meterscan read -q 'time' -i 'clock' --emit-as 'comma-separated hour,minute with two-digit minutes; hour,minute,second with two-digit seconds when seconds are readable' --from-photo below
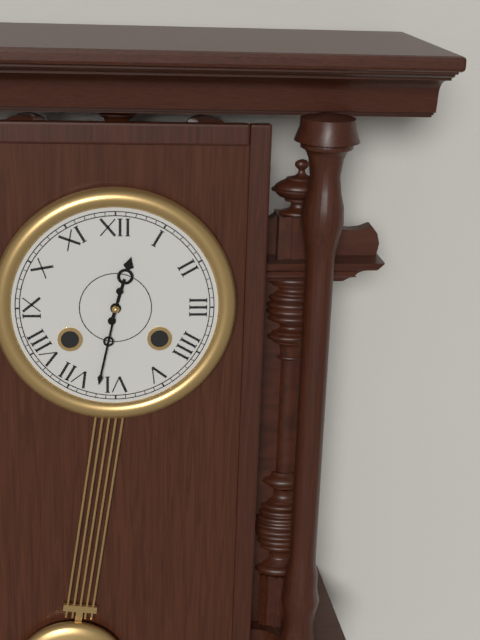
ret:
12,32
